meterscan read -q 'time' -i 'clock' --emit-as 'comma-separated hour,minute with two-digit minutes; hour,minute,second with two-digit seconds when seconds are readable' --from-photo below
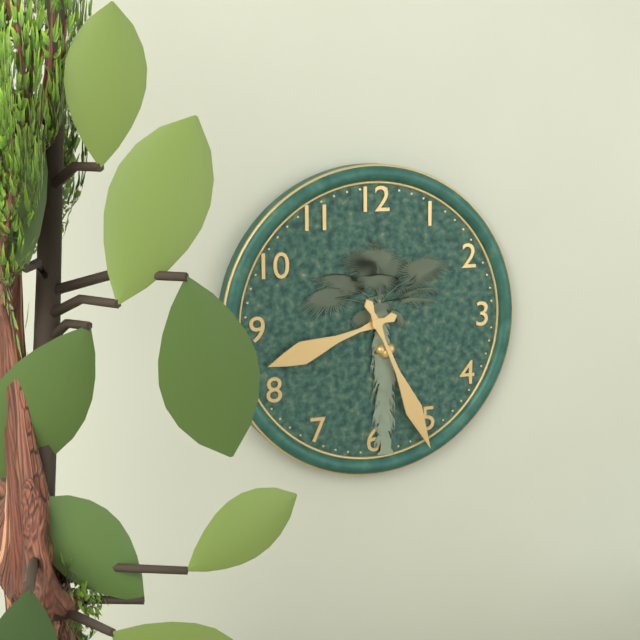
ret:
8,26
